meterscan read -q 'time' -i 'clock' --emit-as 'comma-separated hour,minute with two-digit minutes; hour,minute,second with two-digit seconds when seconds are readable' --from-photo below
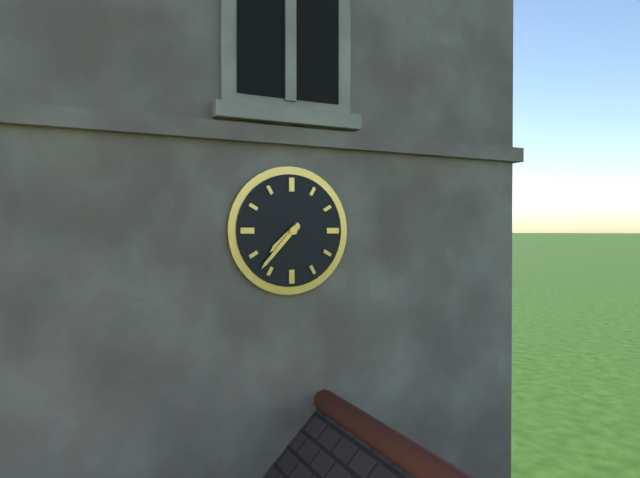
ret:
7,37
